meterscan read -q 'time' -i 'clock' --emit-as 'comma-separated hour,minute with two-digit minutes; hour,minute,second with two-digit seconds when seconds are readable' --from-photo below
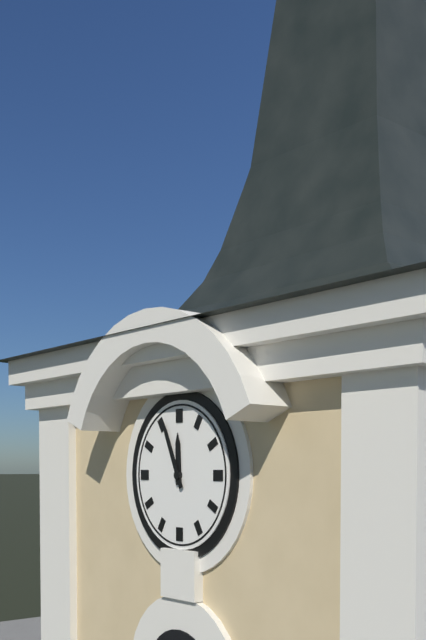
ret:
11,56
